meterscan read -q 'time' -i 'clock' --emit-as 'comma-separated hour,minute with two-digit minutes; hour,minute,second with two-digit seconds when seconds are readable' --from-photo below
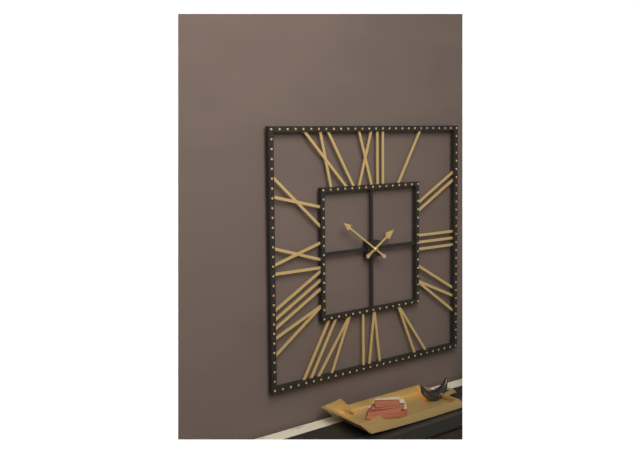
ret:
1,51
